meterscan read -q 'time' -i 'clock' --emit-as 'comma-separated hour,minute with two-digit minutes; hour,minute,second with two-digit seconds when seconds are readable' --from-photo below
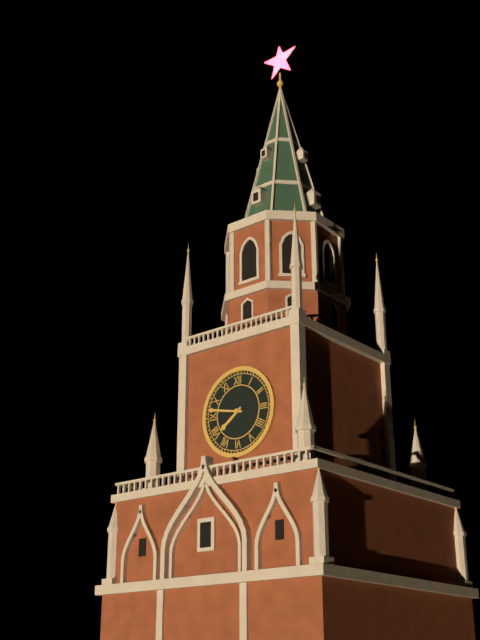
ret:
7,47
